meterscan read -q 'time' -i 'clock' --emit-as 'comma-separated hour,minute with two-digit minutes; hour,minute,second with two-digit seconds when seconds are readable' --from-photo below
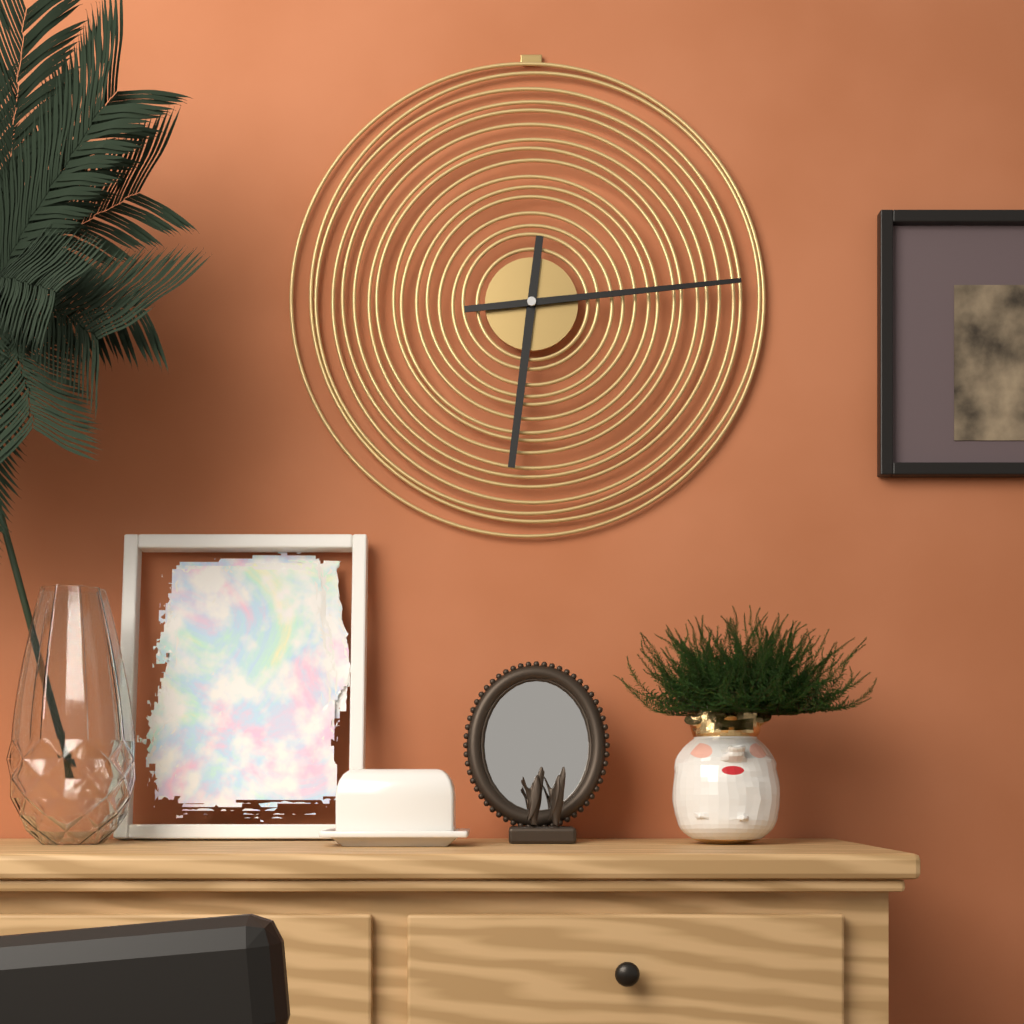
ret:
6,14
